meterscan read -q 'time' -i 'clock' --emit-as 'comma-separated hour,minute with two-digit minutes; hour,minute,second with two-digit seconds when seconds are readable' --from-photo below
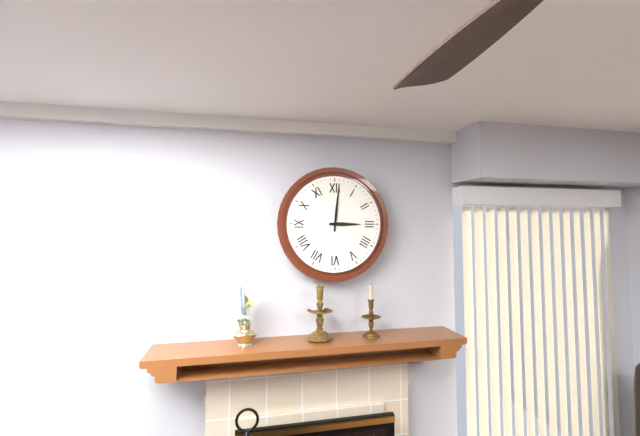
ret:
3,01
